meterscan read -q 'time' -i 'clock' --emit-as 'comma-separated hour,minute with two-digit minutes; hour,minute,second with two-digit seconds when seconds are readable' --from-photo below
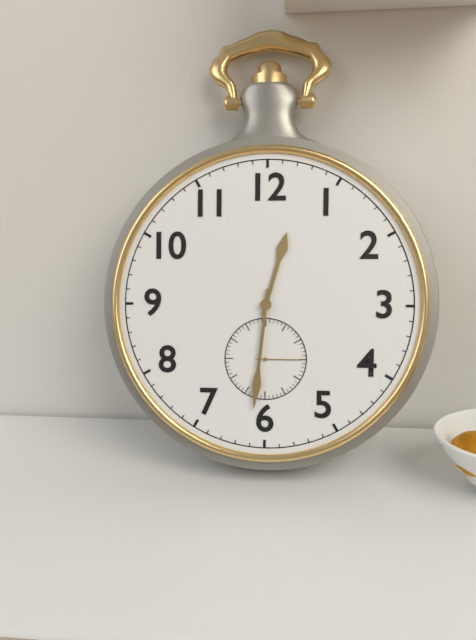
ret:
12,31
